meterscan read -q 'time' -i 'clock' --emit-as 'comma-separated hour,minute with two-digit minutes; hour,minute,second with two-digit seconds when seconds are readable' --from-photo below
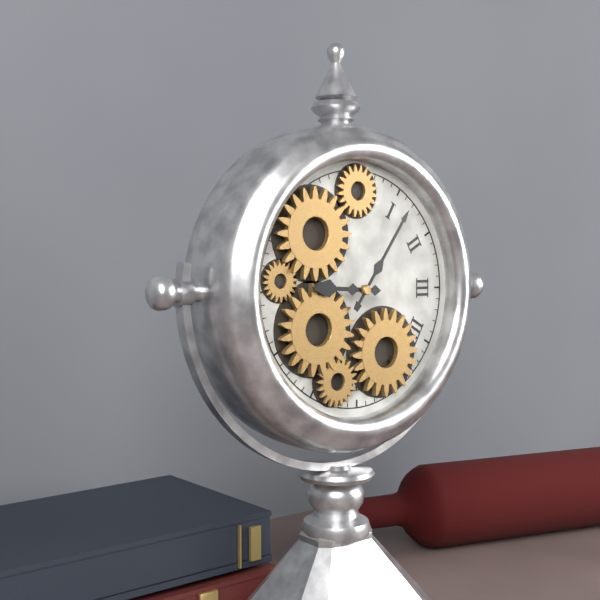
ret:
9,06
